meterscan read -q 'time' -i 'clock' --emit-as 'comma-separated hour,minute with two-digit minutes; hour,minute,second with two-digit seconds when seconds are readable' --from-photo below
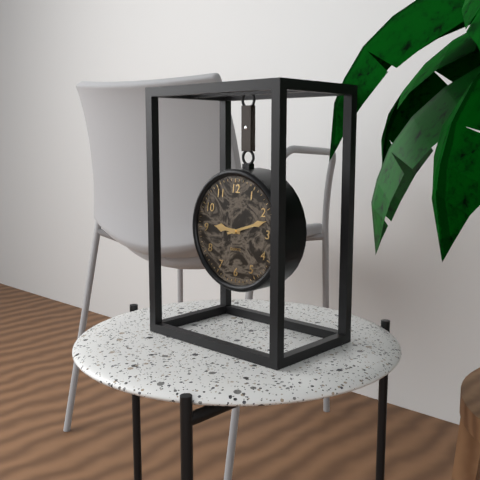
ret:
9,12
